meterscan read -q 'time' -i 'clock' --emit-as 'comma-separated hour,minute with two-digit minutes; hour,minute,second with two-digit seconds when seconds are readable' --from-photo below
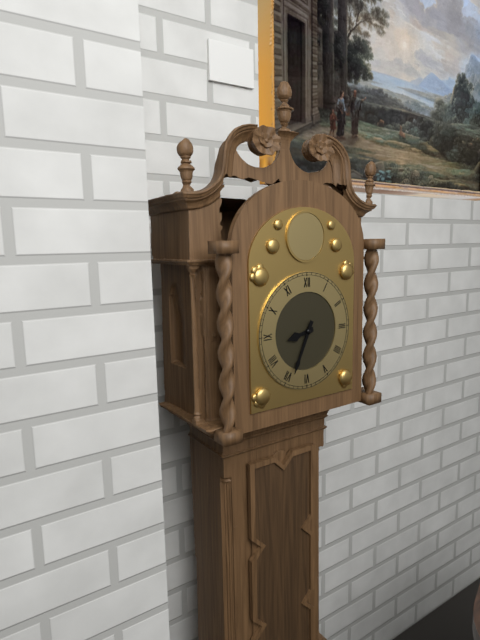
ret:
8,34
